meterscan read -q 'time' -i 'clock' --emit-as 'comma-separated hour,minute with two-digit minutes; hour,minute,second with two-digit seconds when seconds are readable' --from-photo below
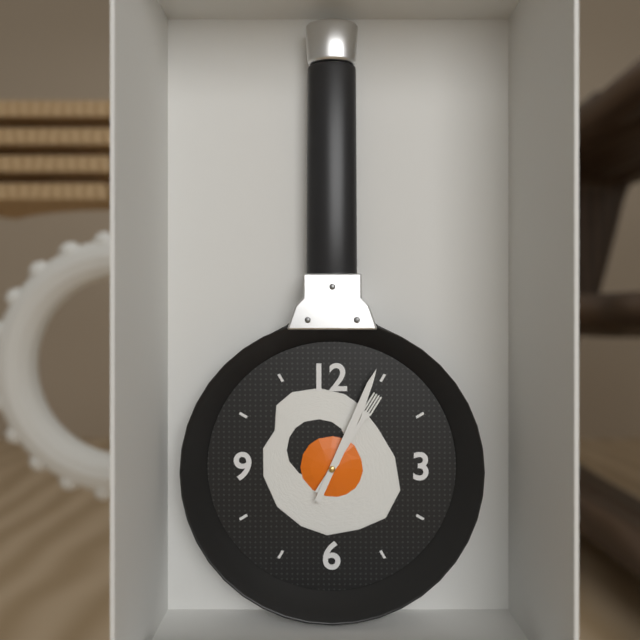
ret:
1,04
